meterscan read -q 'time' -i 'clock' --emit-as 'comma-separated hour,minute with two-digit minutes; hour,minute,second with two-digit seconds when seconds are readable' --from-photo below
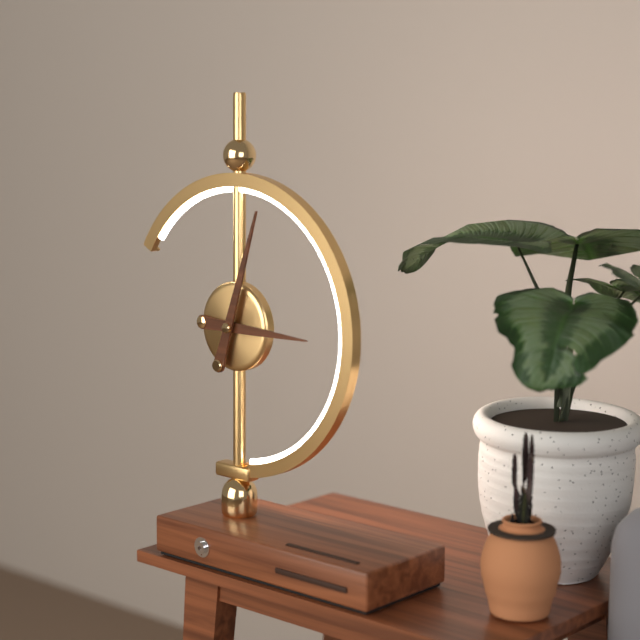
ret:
3,03
